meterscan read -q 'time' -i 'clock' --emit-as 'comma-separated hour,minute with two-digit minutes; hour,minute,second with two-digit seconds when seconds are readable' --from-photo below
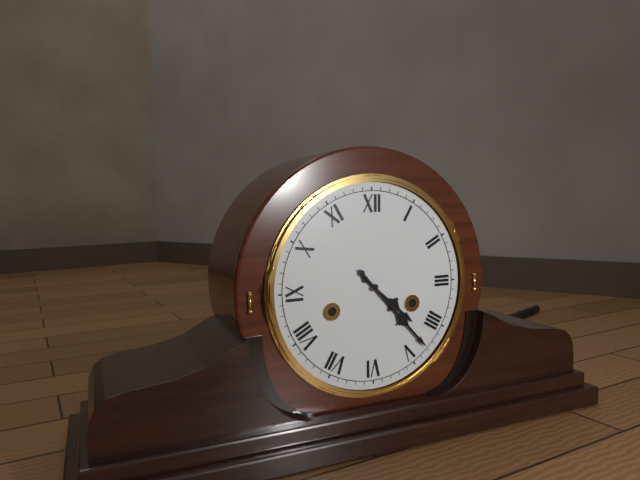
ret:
4,23
